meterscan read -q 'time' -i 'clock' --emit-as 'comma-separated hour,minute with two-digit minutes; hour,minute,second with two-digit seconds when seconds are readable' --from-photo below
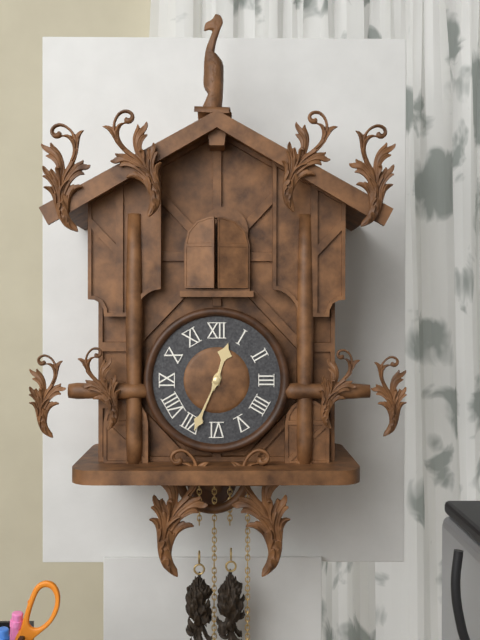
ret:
12,34
